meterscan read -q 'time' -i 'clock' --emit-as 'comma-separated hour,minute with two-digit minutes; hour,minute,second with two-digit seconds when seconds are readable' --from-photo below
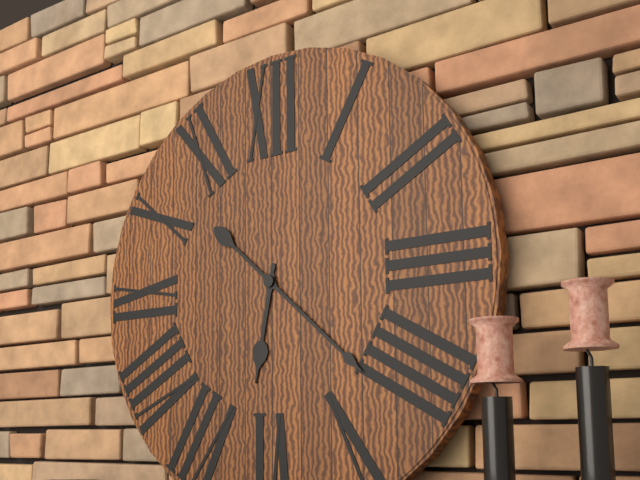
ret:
6,22
